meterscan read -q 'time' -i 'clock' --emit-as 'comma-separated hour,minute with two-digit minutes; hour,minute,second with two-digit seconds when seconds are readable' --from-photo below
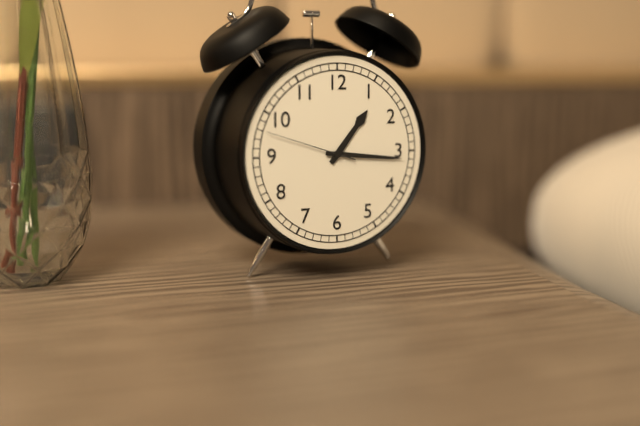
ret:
1,16,48
